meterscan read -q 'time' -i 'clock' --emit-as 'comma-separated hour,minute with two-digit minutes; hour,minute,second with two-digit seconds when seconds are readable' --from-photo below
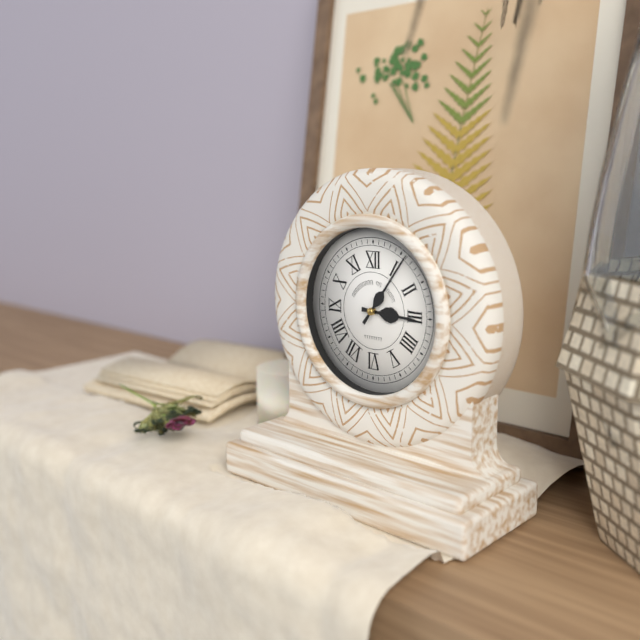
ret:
3,06
